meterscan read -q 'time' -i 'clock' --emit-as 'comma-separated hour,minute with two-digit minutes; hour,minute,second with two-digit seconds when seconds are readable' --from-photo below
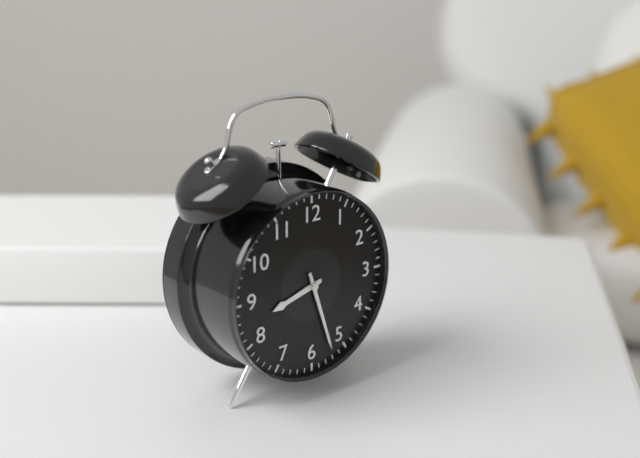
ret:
8,27
